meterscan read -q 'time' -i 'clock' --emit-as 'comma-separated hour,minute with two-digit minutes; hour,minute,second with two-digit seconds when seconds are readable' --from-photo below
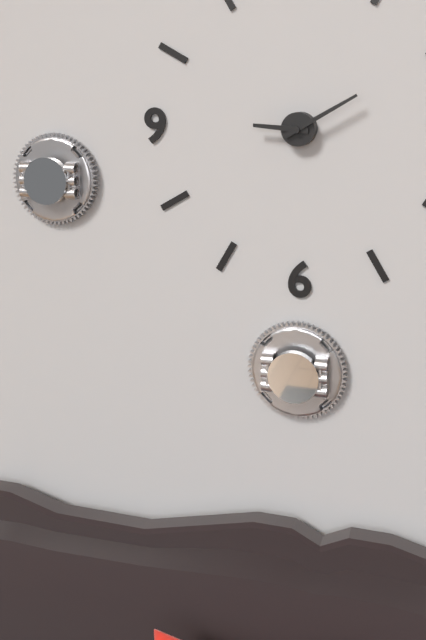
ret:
9,10
